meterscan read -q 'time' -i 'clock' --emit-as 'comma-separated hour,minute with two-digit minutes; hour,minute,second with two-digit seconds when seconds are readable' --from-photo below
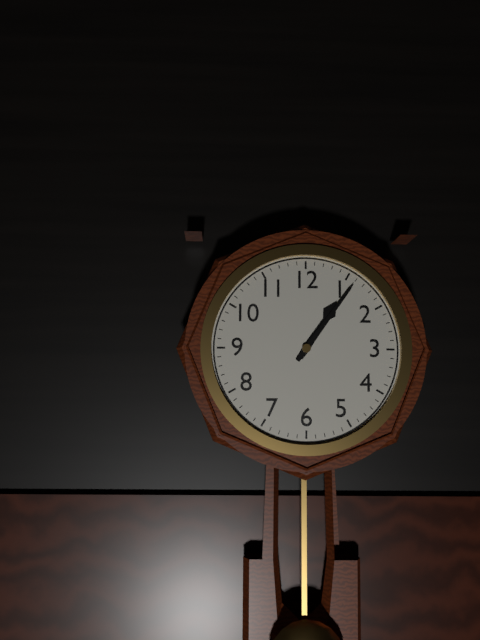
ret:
1,06
